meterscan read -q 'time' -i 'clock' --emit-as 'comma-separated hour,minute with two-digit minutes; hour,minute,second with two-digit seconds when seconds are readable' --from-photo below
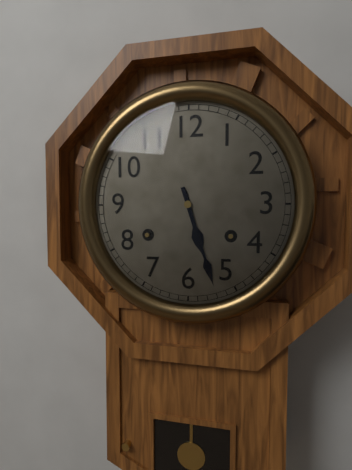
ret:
5,27
